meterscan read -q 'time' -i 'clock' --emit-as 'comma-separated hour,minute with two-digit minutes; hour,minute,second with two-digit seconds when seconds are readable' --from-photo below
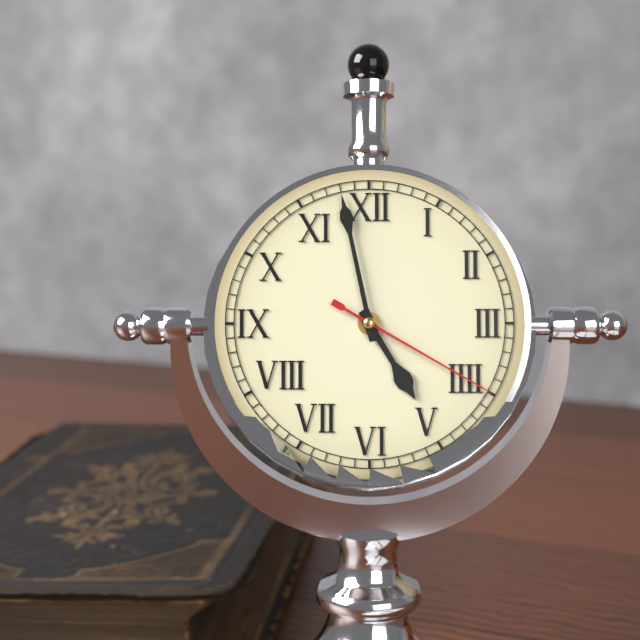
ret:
4,58,20
